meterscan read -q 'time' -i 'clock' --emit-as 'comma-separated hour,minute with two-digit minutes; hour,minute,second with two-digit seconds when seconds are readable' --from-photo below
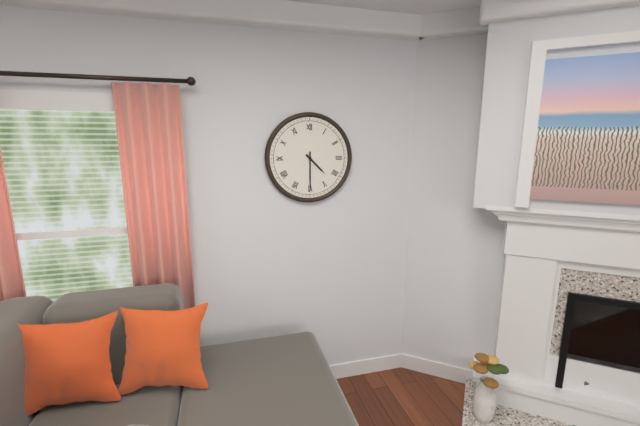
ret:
4,30
